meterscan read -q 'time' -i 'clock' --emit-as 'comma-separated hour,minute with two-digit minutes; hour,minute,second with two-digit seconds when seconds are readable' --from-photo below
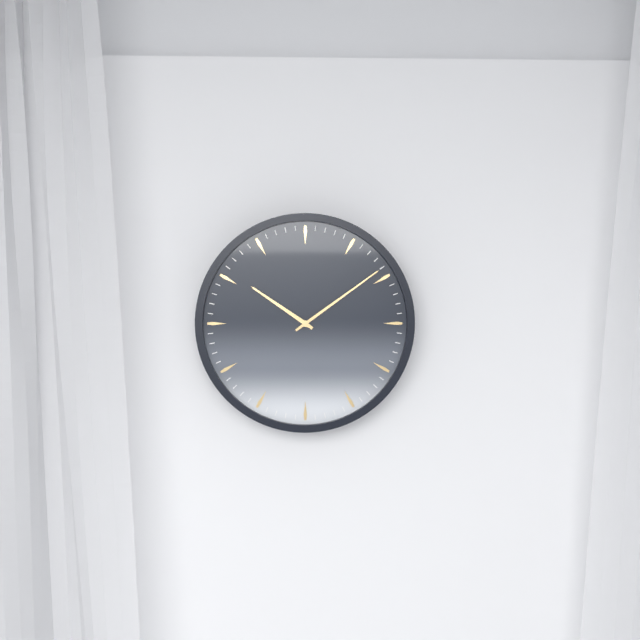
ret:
10,09
